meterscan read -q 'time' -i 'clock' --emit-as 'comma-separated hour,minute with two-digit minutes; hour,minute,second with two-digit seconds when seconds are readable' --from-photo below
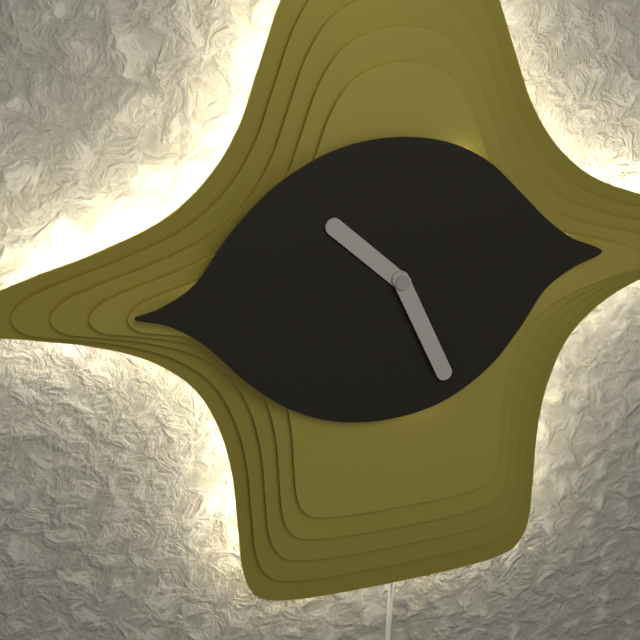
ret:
10,26
